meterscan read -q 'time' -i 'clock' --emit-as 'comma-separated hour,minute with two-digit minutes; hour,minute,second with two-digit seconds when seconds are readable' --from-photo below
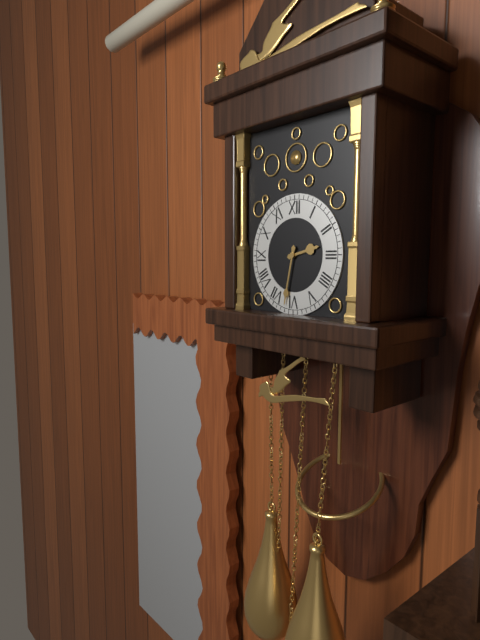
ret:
2,32
